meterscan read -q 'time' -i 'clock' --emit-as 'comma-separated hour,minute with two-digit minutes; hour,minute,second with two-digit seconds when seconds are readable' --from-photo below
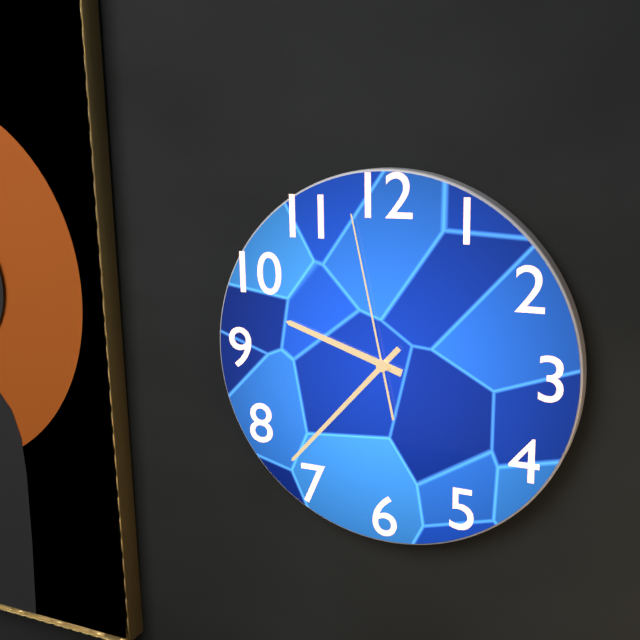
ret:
9,37,58
